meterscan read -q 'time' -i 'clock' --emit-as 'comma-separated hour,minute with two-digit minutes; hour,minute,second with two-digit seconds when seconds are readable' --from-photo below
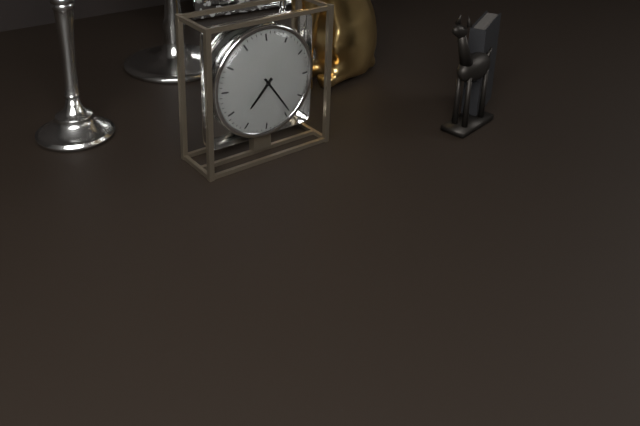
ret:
7,24
